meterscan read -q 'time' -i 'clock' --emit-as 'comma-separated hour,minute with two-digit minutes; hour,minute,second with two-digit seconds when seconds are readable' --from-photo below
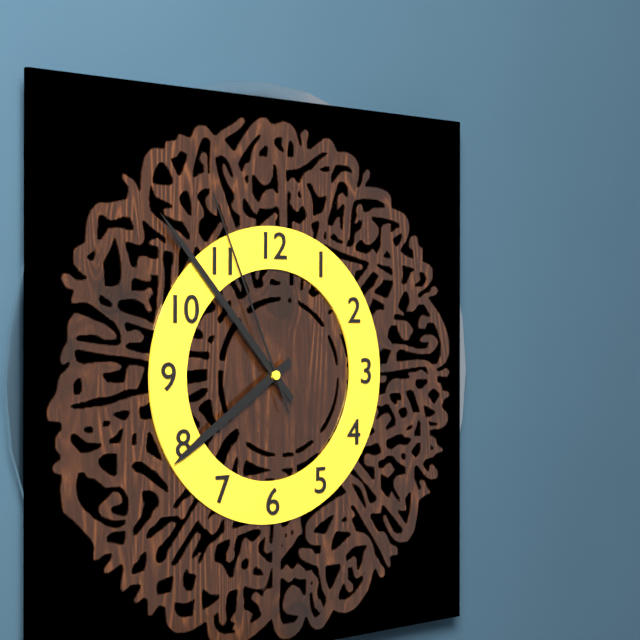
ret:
7,53,56
